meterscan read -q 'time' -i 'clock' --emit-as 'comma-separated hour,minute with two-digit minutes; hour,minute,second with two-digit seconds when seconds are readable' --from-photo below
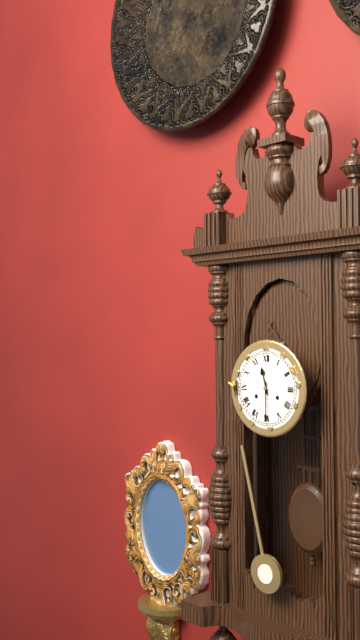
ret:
11,30
